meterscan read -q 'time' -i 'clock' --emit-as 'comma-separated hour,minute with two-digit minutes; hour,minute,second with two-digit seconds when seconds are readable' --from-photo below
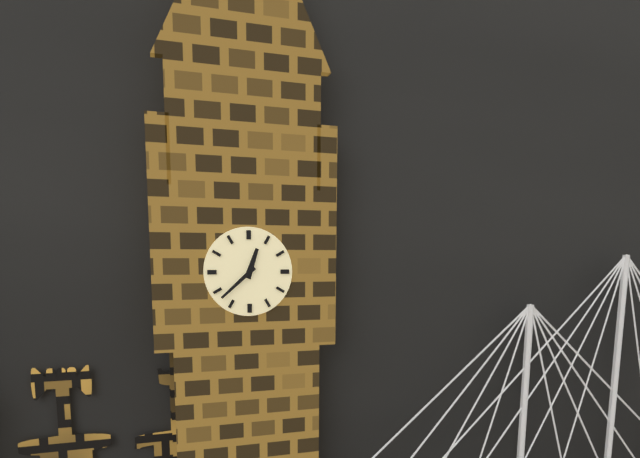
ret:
12,38
